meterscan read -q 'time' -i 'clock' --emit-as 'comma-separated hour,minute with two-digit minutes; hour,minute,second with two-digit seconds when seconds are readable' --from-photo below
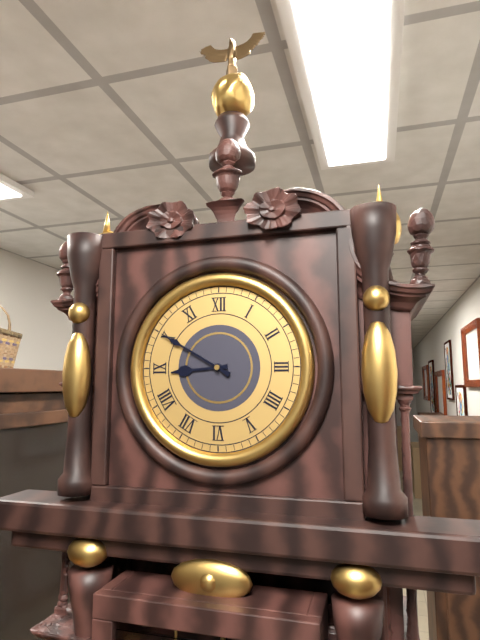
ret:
8,50
